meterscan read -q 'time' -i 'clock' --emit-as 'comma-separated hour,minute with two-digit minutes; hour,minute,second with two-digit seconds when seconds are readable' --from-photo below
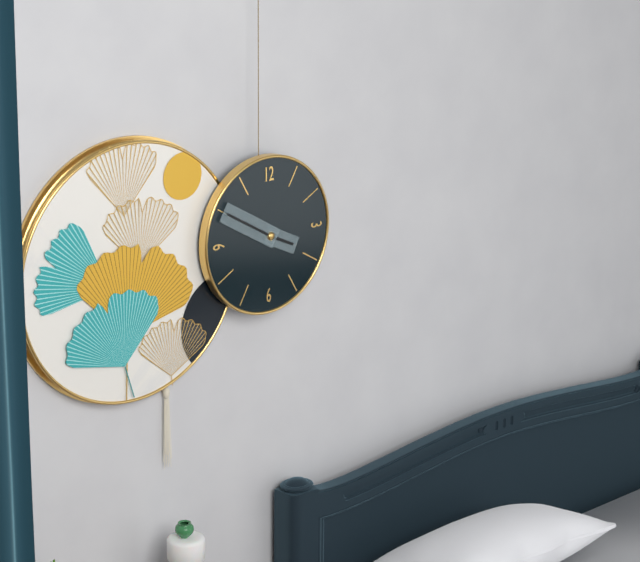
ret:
3,50
